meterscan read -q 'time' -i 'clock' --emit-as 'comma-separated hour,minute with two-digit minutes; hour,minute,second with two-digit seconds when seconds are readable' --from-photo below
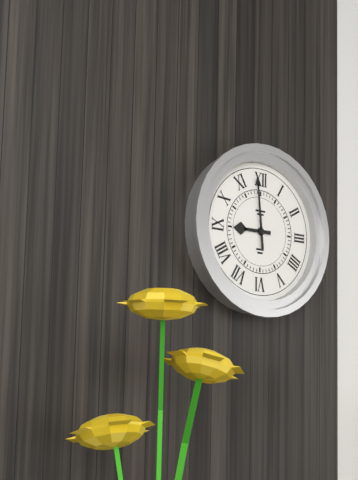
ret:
8,59
